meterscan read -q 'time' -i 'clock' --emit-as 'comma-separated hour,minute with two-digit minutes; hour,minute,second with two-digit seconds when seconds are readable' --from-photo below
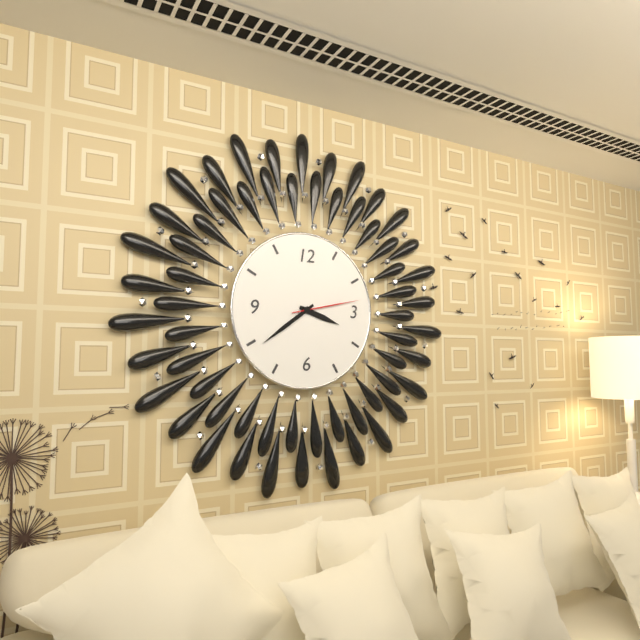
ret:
3,39,13
